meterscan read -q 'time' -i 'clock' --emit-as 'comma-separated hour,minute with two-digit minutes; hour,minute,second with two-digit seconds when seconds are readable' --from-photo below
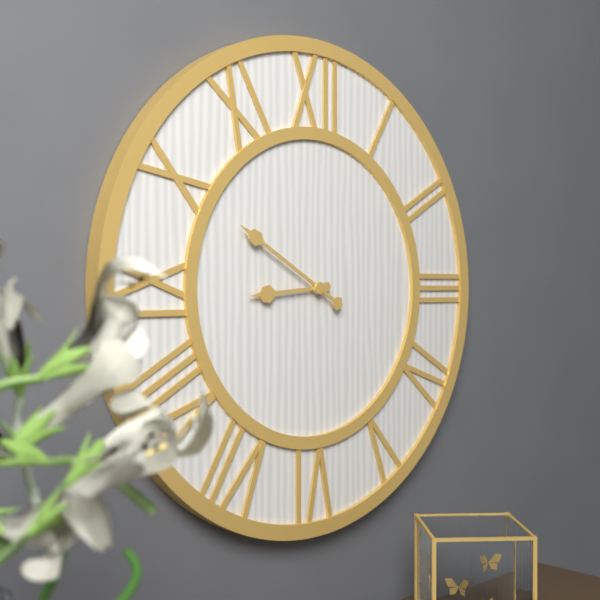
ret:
8,50
